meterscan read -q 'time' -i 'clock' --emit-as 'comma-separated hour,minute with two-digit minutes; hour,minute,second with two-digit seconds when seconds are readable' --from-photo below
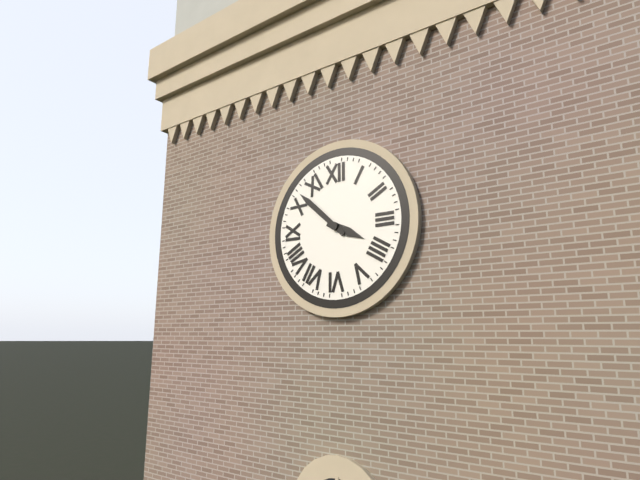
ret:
3,52
